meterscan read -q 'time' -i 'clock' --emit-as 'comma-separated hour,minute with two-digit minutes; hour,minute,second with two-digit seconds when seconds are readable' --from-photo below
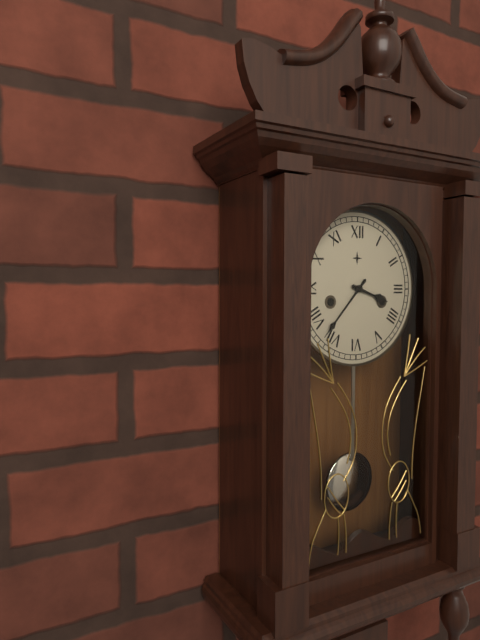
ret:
3,37
